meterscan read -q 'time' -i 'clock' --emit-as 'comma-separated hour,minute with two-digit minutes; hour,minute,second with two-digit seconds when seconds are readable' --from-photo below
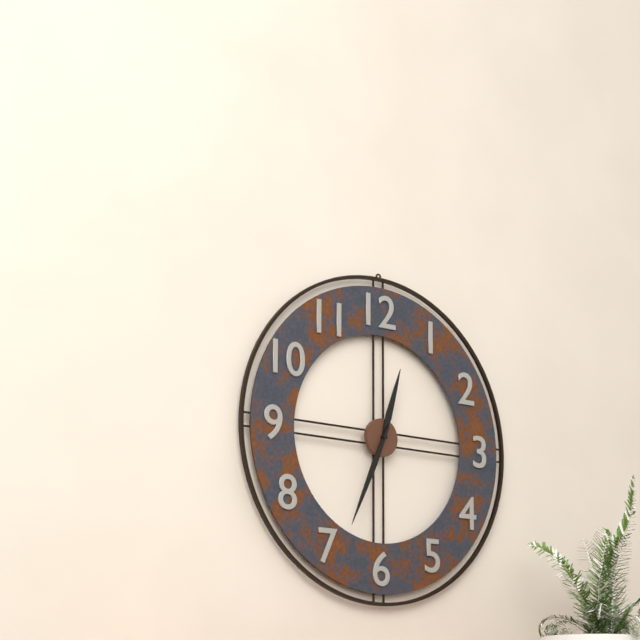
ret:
12,34
